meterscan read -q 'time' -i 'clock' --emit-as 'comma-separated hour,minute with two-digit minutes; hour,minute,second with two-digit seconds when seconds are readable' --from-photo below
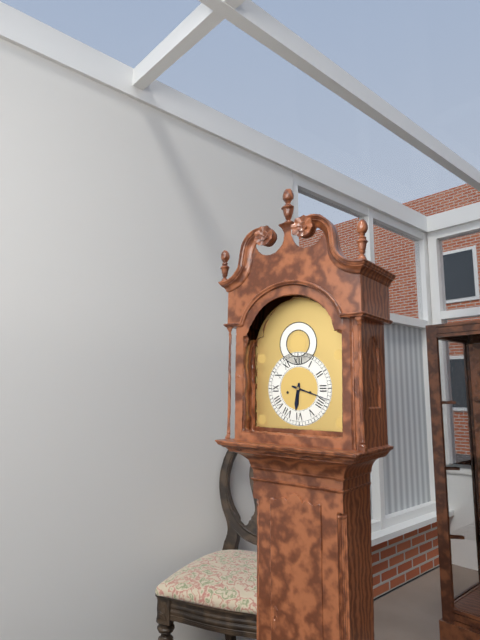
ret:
6,18
